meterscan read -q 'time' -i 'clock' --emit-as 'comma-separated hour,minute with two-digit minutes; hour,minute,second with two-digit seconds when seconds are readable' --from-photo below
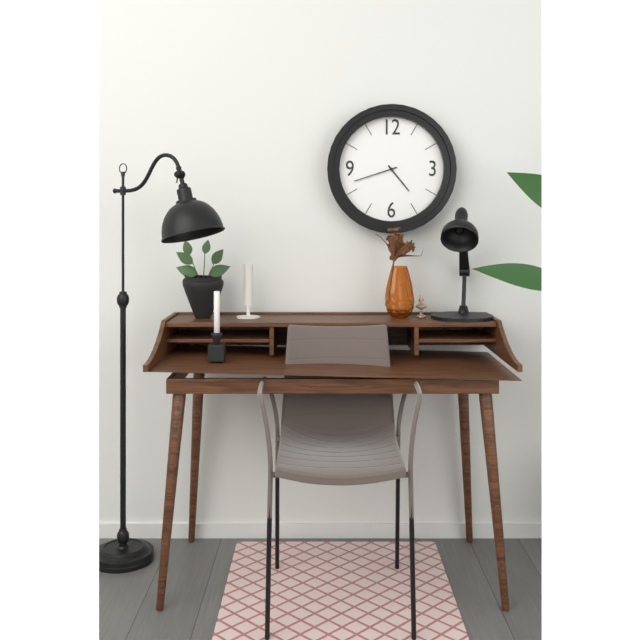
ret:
4,42
